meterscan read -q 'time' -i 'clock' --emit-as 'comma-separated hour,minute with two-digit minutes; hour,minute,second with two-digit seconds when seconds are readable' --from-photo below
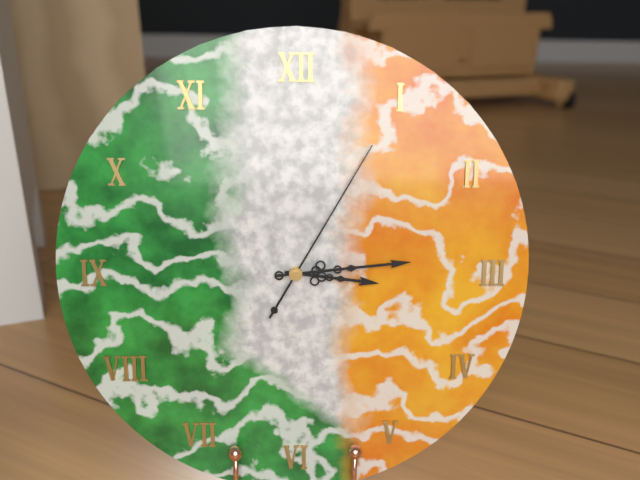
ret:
3,14,05
